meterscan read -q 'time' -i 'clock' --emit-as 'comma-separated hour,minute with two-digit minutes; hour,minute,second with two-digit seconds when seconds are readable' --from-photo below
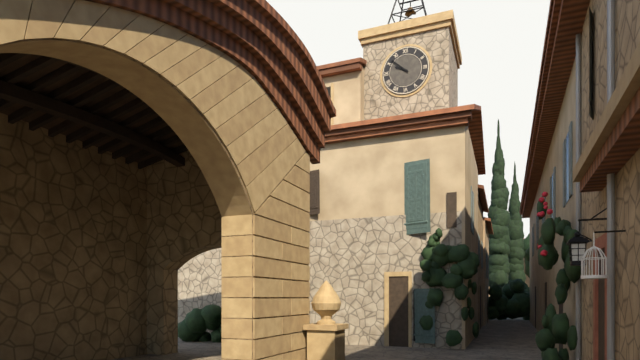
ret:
9,52
